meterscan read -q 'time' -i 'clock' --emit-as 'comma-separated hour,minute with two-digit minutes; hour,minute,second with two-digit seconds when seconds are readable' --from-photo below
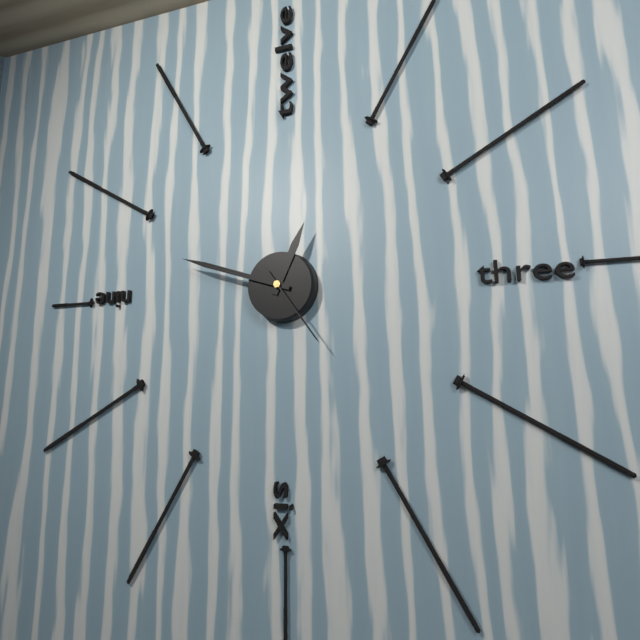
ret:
12,48,24
